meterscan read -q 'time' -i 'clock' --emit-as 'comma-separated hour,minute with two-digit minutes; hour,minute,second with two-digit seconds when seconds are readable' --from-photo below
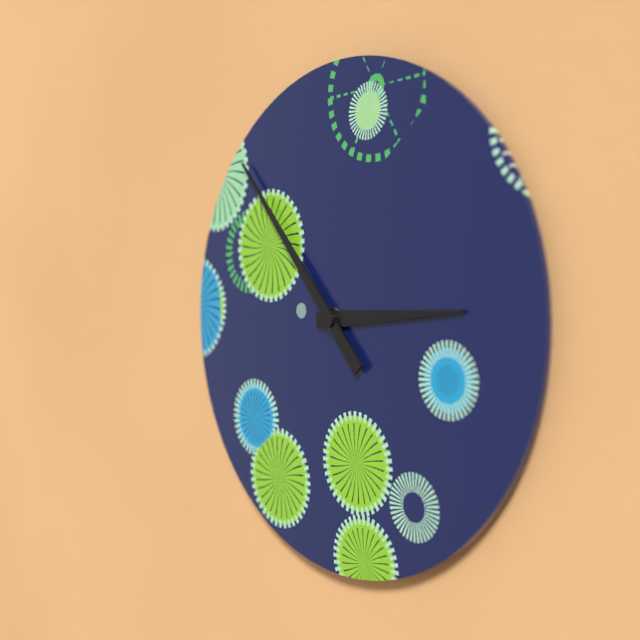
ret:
2,53
